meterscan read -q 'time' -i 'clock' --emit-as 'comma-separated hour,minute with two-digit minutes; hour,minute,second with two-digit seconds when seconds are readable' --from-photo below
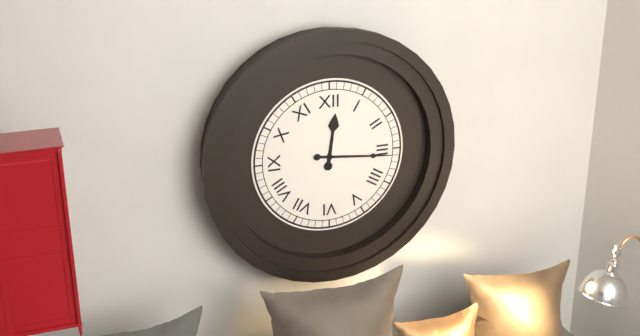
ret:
12,16
